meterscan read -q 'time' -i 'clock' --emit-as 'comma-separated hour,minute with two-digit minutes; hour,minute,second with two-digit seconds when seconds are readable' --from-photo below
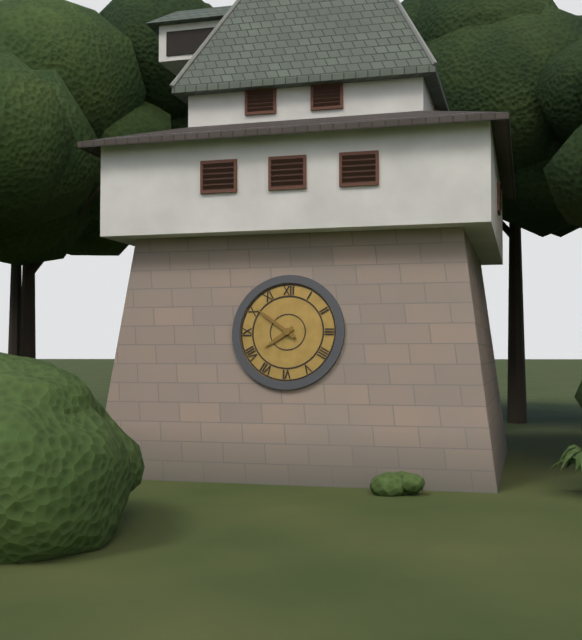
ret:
7,51
